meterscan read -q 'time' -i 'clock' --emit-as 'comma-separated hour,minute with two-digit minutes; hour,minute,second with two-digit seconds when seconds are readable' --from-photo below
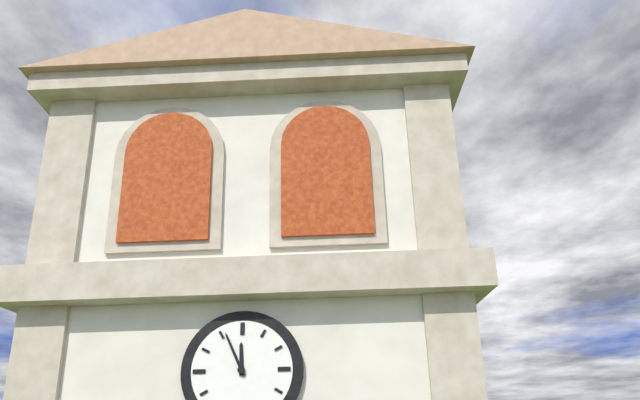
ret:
11,56
